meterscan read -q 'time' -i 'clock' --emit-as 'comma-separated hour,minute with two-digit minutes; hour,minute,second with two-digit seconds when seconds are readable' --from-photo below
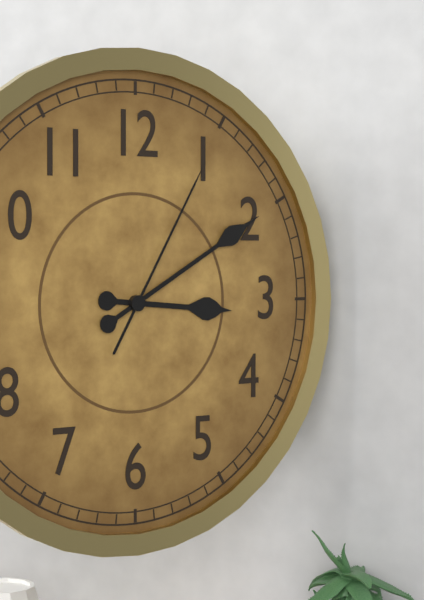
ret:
3,10,05
